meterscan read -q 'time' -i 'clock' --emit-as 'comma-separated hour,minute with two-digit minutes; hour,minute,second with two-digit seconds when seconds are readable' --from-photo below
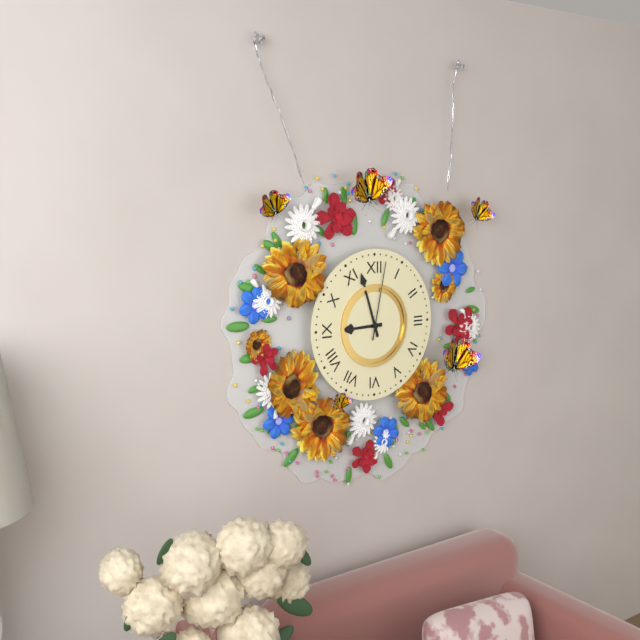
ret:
8,57,02
